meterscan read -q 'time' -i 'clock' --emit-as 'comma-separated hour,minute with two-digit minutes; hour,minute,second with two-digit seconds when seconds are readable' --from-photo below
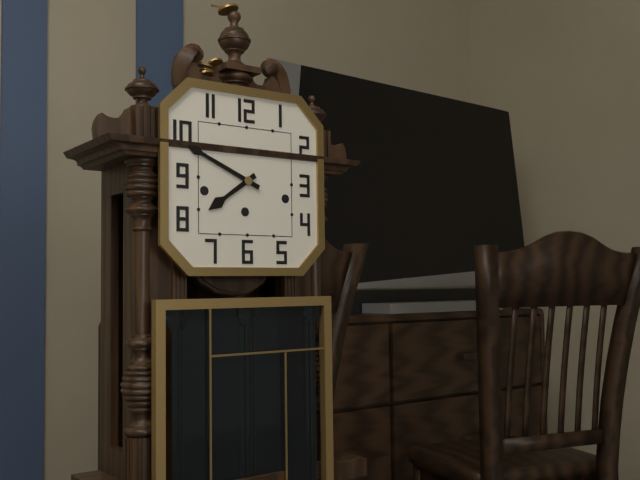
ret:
7,49
